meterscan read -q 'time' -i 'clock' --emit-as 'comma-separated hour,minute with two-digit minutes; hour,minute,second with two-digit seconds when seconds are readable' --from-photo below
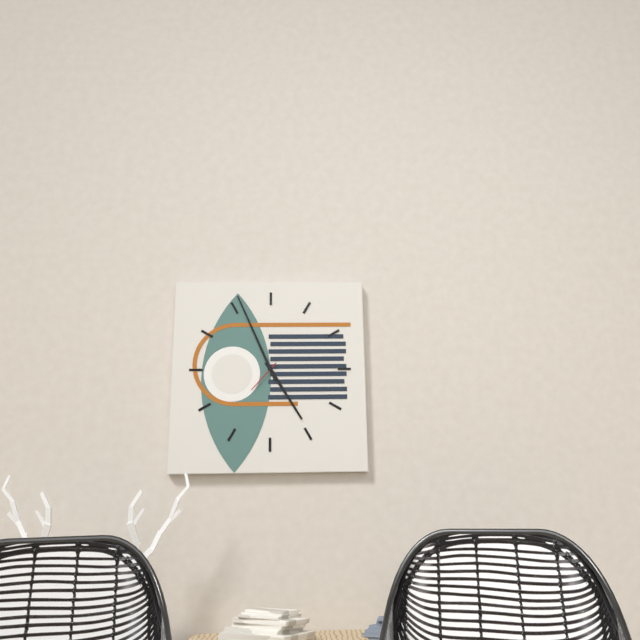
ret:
4,56
